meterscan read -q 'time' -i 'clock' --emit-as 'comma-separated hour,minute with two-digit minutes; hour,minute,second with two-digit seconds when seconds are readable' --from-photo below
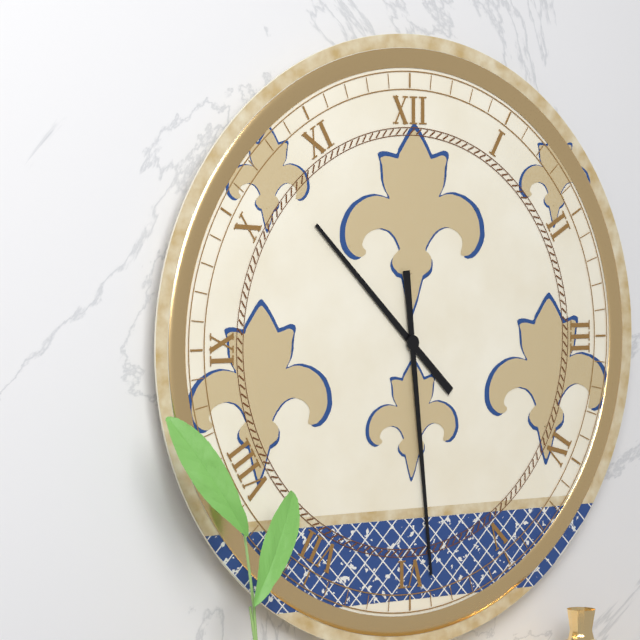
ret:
10,29
